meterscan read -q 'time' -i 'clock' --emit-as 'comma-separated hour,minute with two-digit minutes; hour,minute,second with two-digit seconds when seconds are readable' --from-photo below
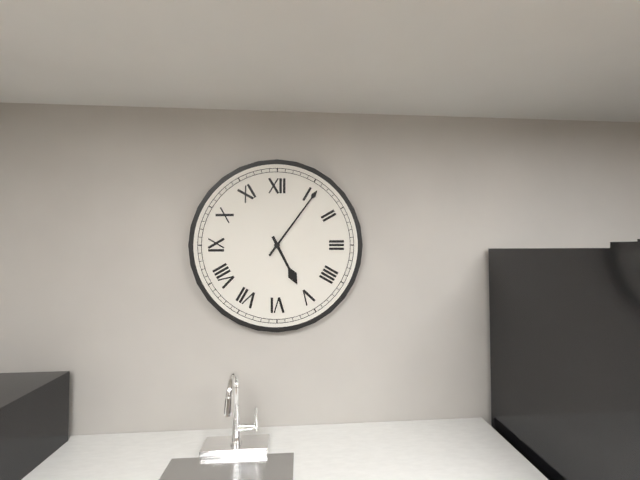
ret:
5,06
